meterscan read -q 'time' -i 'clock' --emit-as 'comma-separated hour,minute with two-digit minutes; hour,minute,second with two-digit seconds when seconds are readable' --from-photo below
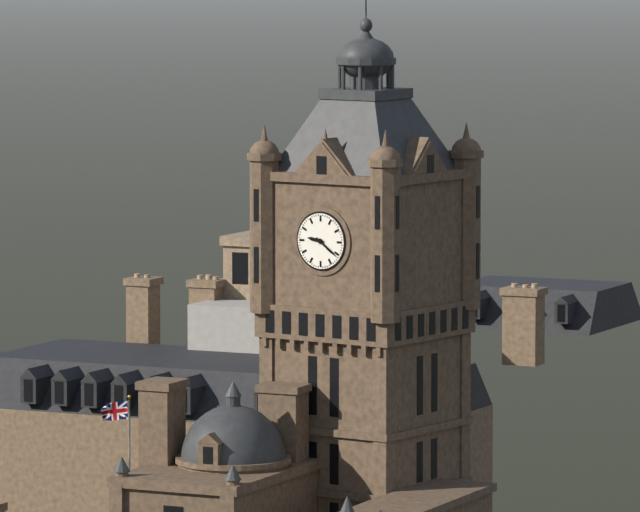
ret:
9,21
